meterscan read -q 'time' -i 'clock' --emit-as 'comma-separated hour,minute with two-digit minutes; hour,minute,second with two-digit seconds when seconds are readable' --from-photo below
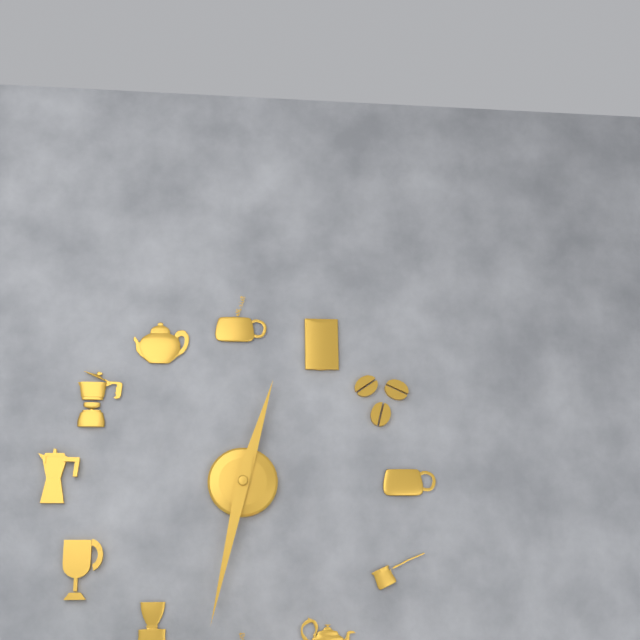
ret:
12,32
